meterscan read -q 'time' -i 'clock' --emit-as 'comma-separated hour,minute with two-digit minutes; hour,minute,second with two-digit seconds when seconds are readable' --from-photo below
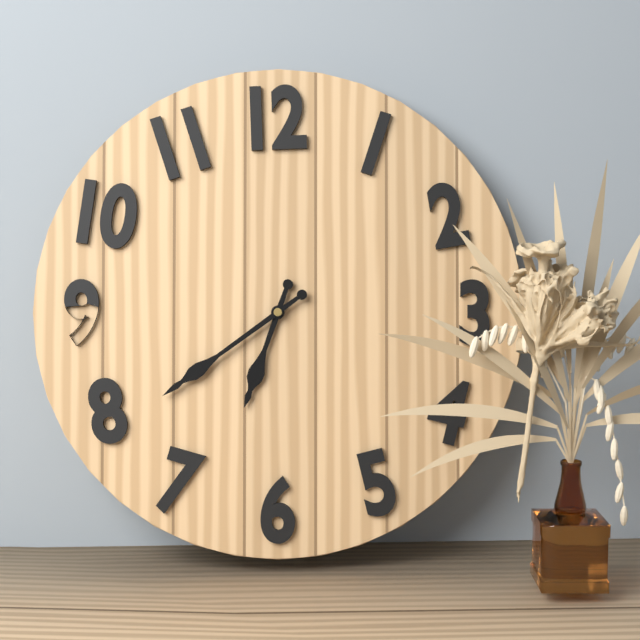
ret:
6,39
